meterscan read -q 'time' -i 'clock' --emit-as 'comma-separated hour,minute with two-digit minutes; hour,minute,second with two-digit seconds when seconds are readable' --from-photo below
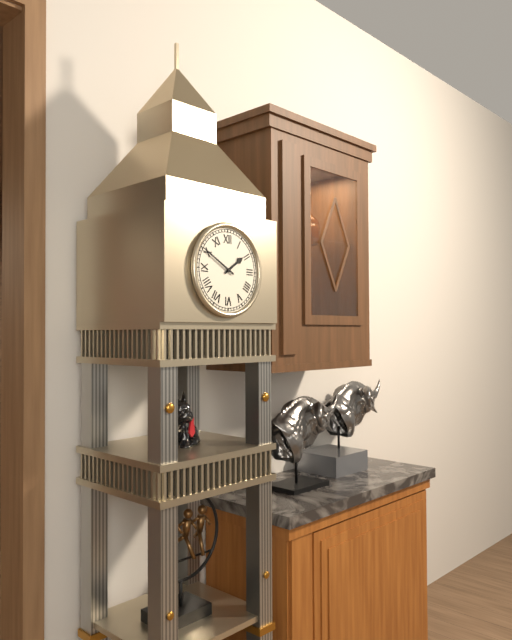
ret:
1,50
